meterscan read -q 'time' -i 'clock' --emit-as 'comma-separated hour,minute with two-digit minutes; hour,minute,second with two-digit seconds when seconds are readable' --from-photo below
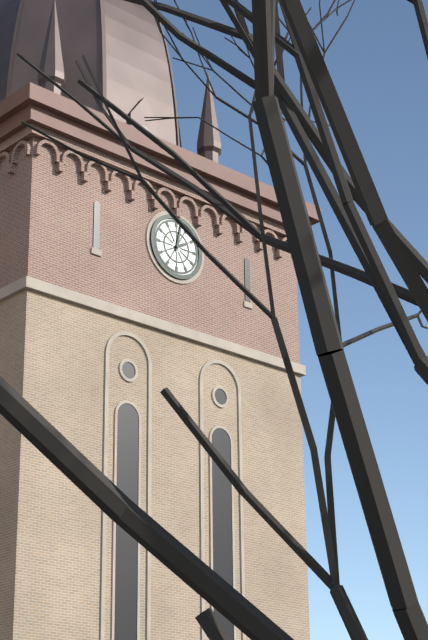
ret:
2,02
